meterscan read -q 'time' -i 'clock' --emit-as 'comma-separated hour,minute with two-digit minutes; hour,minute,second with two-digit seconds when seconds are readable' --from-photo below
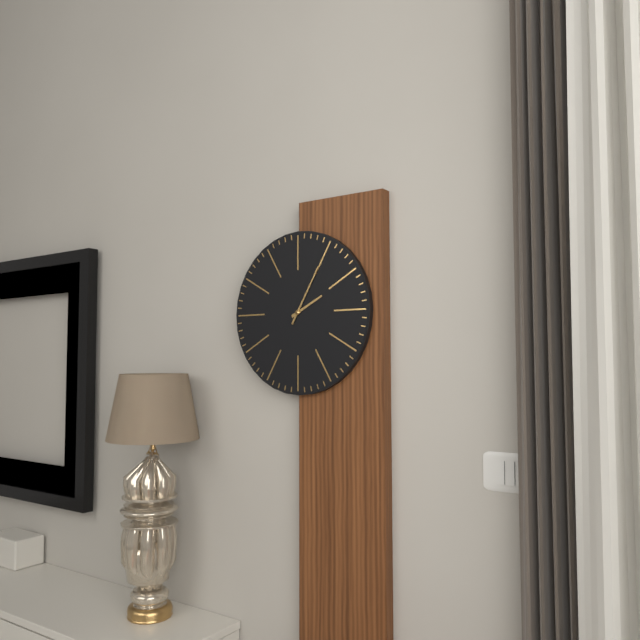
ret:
2,05
